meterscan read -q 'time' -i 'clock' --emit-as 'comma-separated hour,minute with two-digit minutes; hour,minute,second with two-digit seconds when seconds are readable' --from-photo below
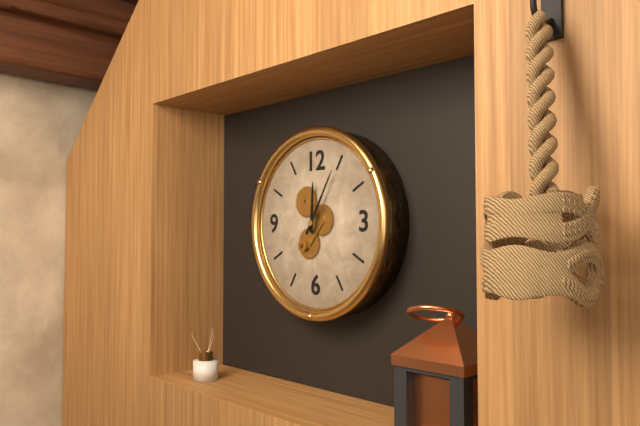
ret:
12,05
